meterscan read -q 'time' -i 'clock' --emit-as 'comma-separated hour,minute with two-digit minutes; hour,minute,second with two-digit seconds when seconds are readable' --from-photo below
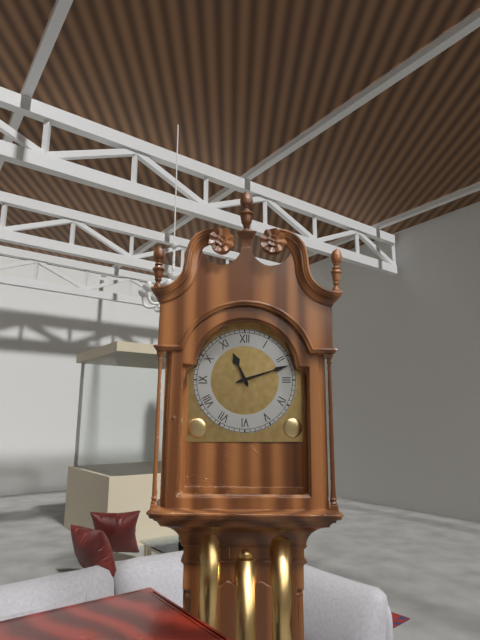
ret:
11,12
